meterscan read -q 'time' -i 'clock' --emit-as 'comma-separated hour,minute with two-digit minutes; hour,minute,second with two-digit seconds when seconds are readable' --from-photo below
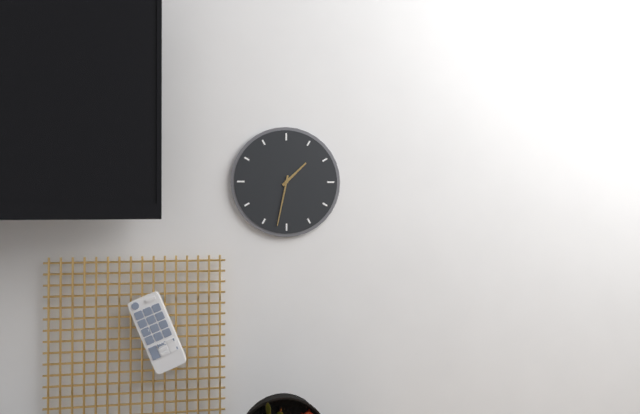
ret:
1,32
